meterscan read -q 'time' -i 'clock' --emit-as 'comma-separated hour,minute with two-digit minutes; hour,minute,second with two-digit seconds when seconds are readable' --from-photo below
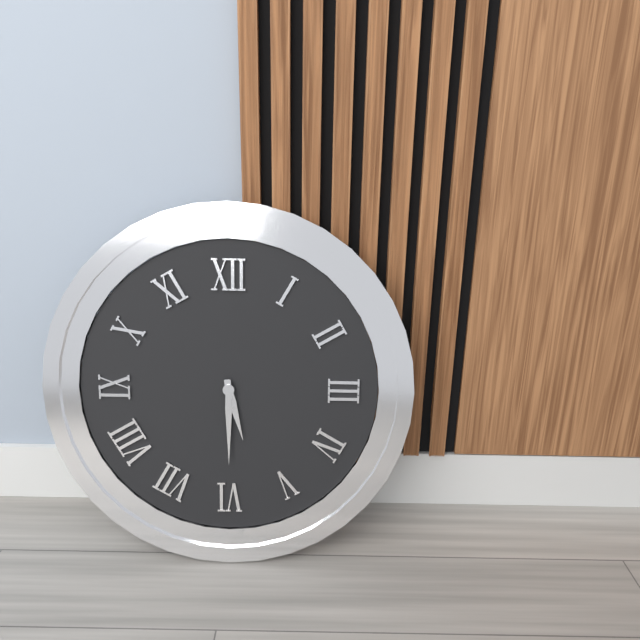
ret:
5,30
